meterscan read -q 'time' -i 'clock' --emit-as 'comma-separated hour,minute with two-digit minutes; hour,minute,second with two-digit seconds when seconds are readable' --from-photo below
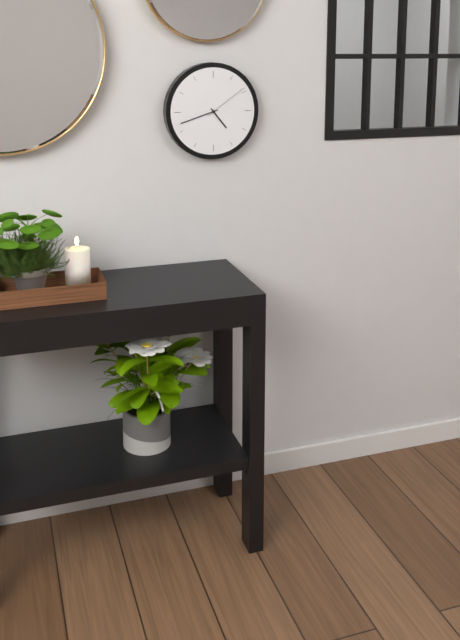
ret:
4,42
